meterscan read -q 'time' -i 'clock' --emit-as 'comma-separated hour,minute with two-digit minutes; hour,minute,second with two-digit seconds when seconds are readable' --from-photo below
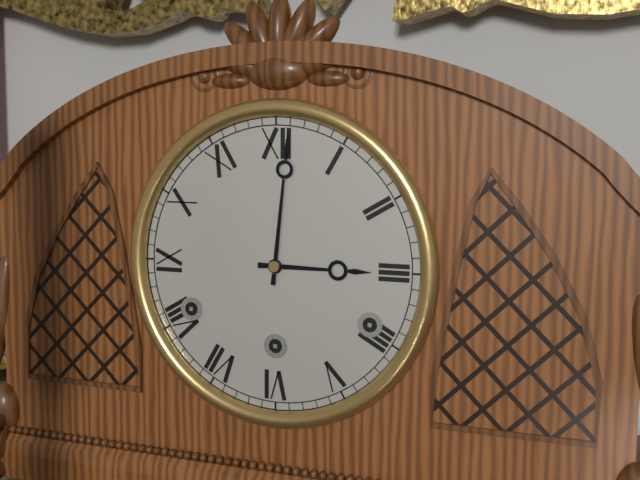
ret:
3,01
